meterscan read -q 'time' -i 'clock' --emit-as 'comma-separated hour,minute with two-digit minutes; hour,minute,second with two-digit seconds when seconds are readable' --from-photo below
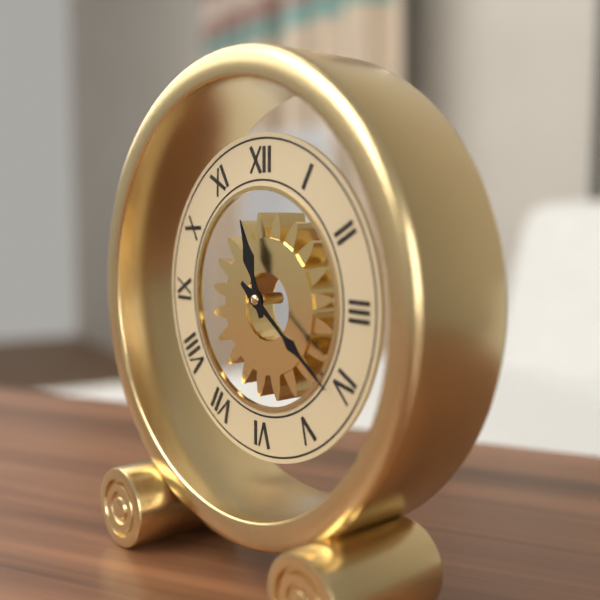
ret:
11,21
